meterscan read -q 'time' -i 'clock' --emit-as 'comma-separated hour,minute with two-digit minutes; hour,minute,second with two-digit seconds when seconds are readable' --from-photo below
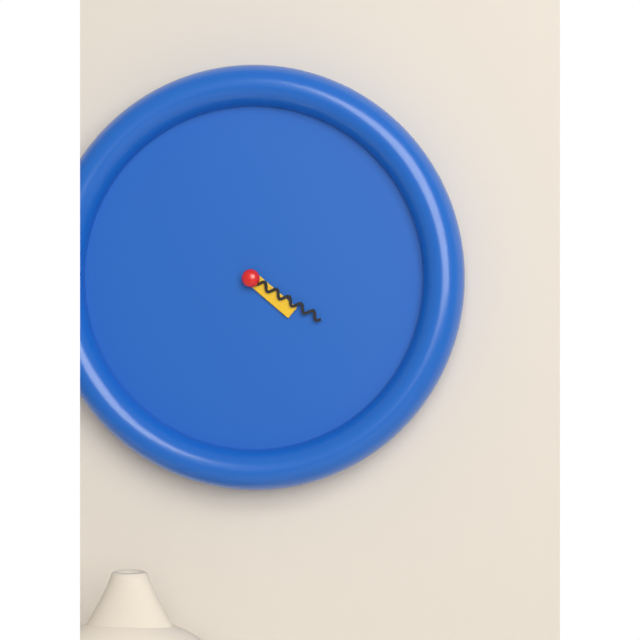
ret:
4,20
